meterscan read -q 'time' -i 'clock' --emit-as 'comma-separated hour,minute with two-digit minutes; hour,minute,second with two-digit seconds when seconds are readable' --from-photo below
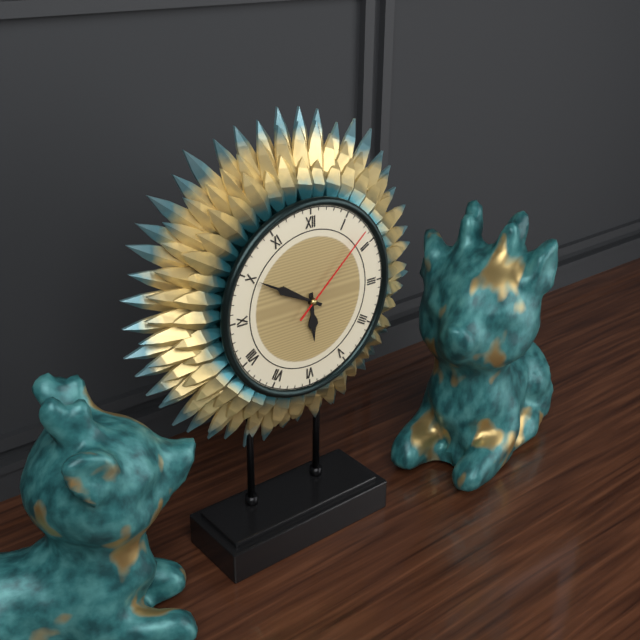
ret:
5,50,08
